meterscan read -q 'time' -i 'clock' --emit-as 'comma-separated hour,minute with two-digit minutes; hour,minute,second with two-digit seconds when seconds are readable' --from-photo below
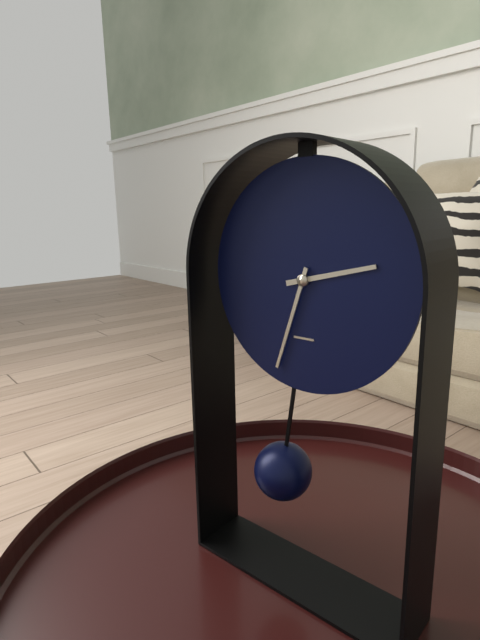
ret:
2,33
